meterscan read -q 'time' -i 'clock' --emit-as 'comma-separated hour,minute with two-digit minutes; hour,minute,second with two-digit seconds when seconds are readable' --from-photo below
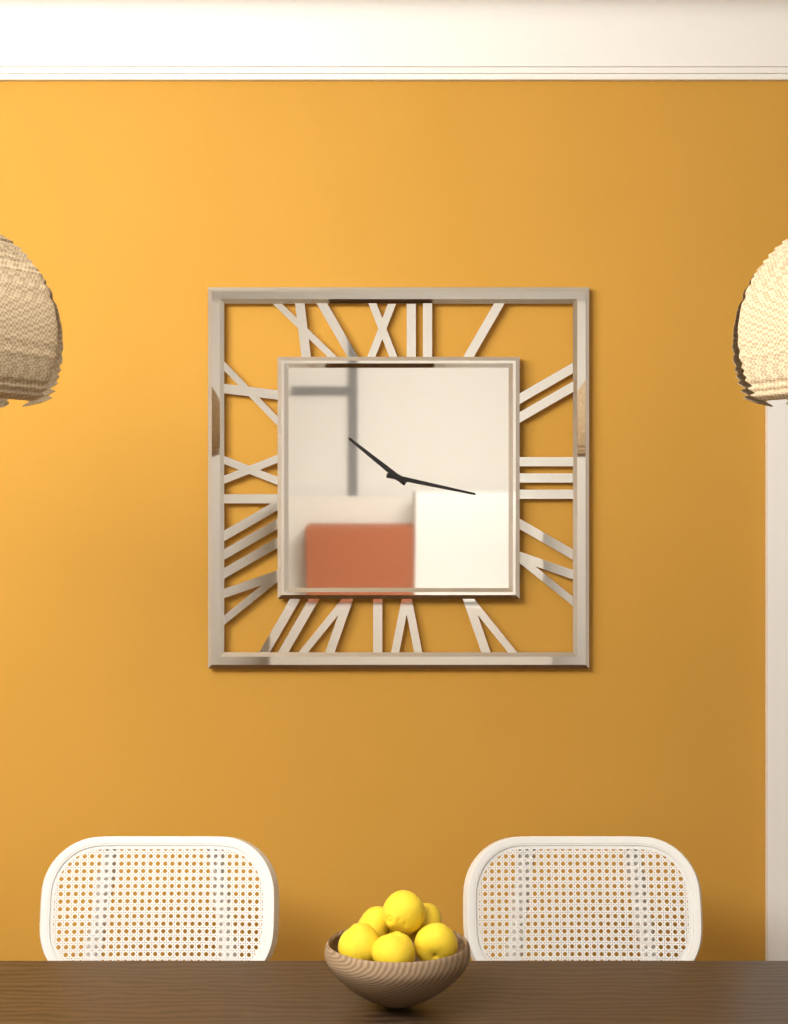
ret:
10,17
